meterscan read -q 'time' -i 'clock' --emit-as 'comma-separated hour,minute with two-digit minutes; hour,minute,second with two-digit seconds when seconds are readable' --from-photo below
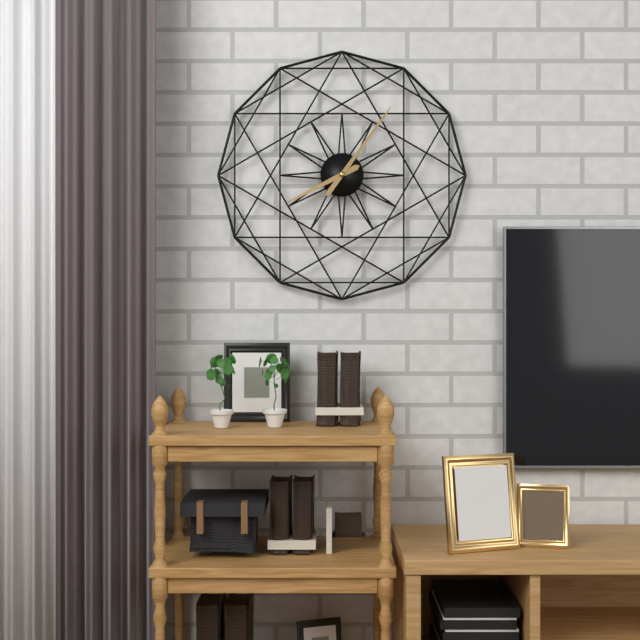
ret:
8,06
